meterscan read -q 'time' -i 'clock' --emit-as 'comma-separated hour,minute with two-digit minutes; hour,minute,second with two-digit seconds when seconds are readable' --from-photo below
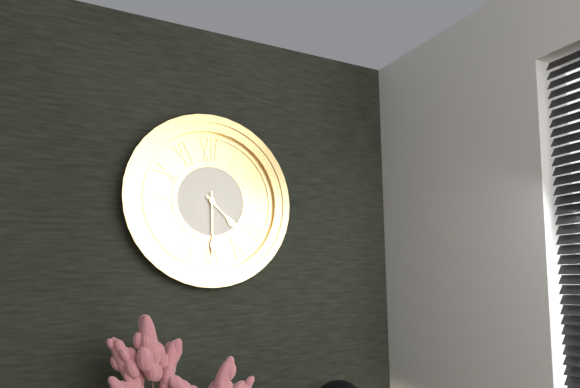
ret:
4,30
